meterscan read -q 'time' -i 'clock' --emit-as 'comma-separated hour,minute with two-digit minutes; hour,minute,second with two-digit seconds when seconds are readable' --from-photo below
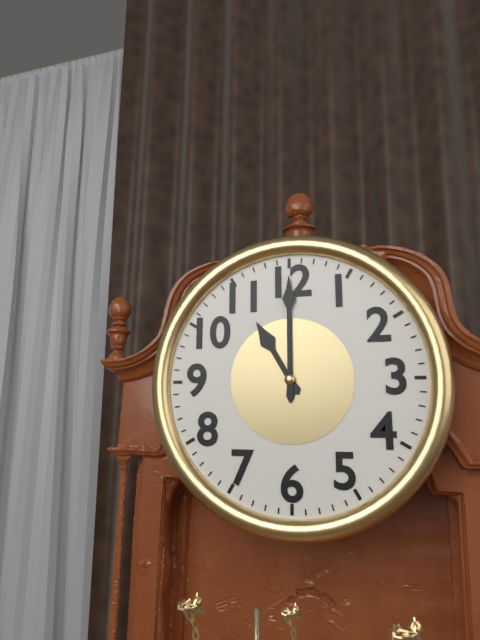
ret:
11,00
